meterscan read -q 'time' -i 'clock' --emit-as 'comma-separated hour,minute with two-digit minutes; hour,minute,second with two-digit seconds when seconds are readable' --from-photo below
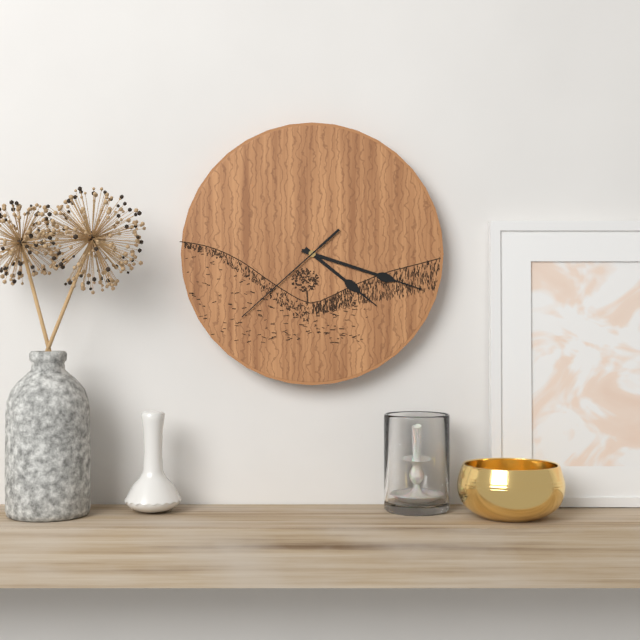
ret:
4,18,38
